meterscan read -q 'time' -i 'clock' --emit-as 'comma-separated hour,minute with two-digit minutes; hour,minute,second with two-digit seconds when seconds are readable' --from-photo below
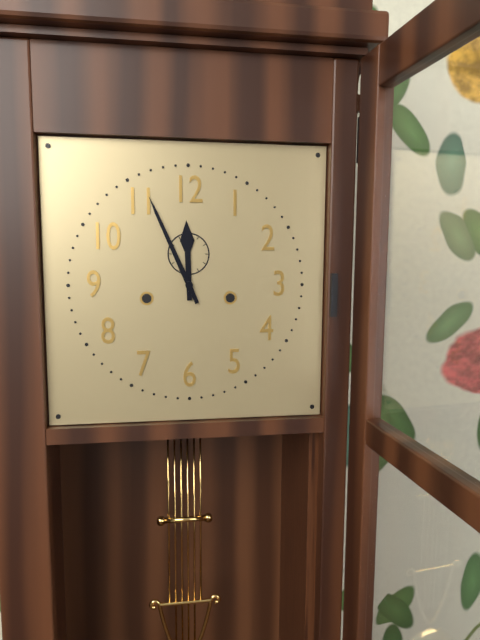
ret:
11,56
